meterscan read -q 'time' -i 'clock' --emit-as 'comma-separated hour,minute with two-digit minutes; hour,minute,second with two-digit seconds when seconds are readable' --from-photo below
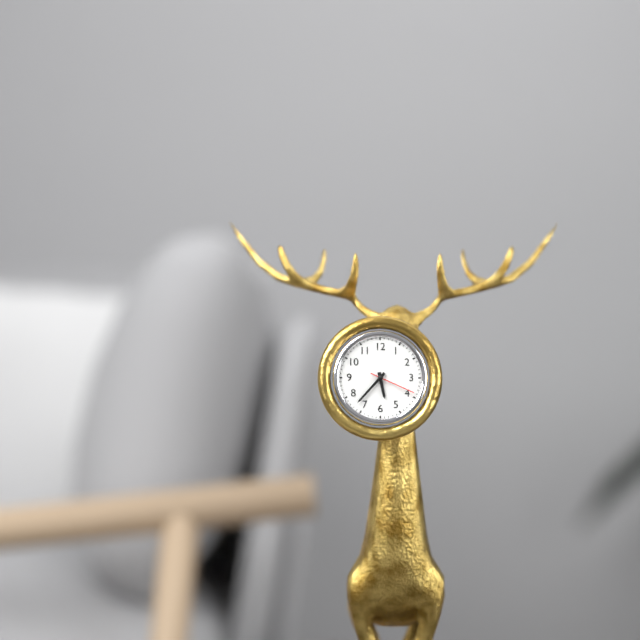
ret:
5,37
